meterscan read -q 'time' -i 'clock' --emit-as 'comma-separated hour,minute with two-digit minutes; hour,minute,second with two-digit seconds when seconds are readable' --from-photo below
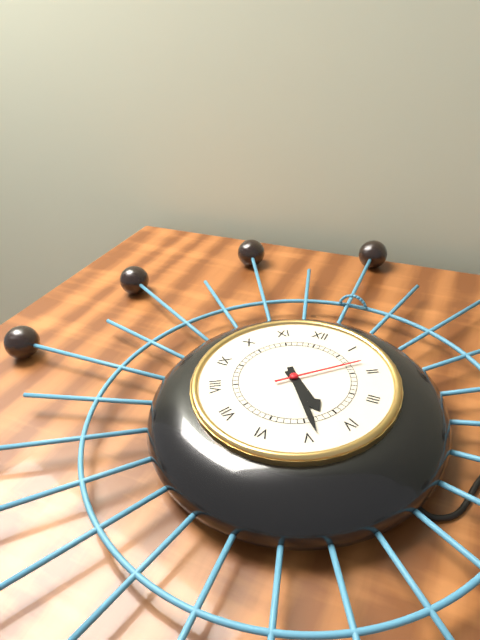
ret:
4,24,08
